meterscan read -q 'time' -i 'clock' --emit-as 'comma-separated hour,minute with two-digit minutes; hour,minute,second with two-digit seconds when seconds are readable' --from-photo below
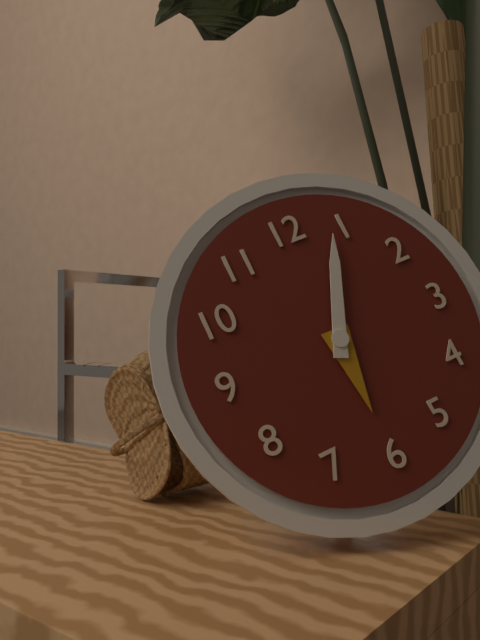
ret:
6,04
